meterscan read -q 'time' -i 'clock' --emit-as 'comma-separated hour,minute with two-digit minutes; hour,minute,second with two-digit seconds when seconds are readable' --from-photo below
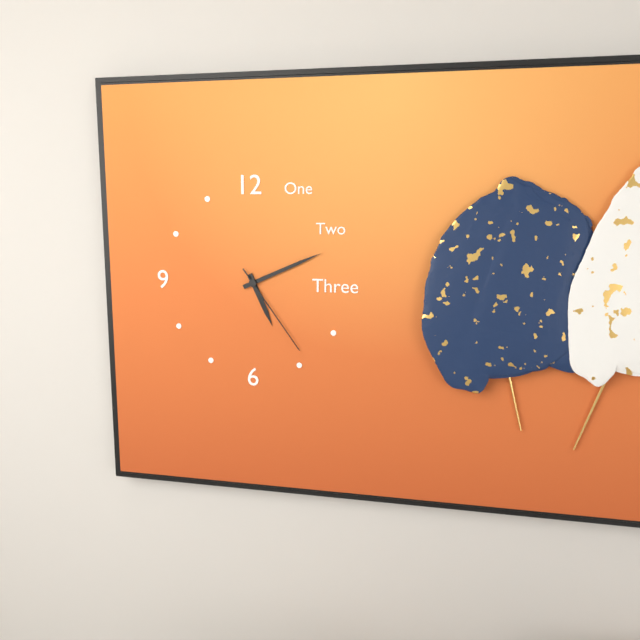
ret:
5,11,24
